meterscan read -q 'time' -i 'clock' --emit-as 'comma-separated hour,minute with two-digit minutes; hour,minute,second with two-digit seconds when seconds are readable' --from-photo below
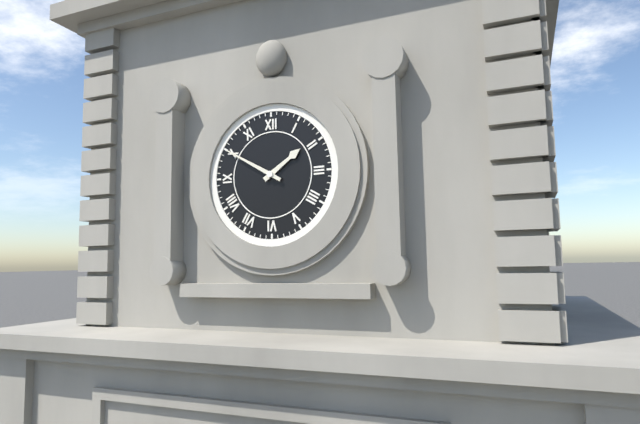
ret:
1,50
